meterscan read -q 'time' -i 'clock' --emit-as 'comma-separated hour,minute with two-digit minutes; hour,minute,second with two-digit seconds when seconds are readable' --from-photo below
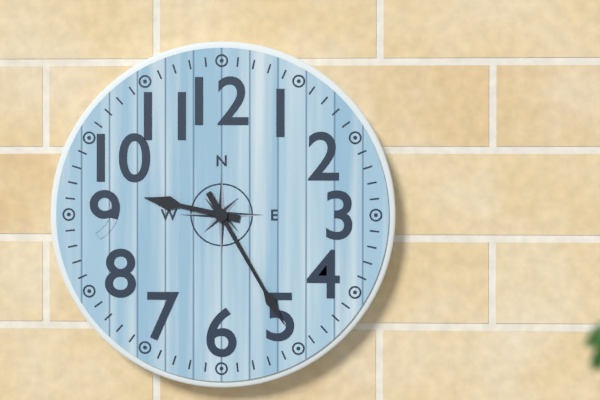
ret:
9,25
